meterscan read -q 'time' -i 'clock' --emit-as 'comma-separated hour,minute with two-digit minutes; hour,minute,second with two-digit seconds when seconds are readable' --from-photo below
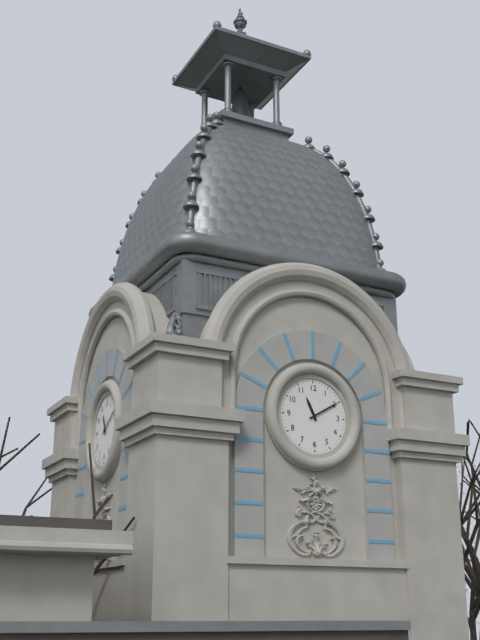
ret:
11,10
